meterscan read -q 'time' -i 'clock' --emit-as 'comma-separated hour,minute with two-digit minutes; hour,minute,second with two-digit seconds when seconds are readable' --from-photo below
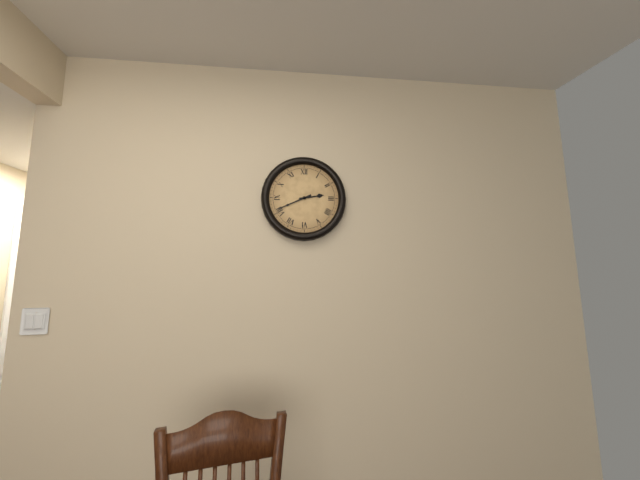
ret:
2,41
